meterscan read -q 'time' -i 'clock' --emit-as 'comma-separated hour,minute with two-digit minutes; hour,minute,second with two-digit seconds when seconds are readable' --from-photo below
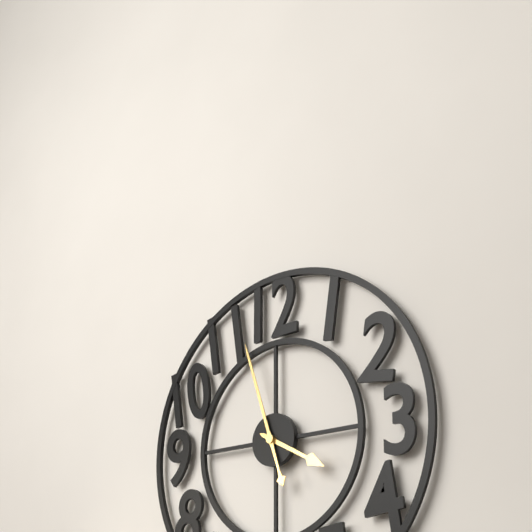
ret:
3,57
